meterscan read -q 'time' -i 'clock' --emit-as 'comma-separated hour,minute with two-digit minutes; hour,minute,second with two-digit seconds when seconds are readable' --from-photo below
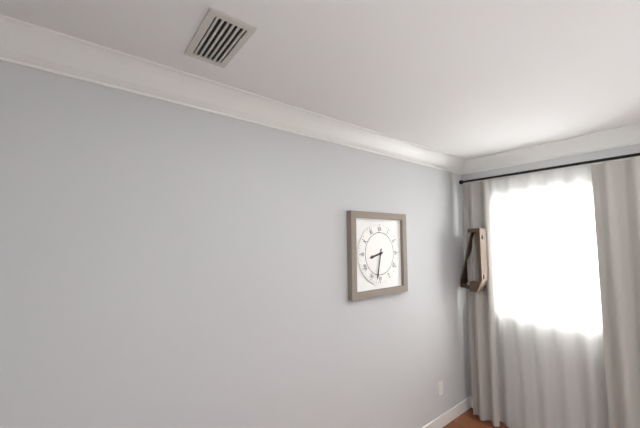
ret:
8,32
